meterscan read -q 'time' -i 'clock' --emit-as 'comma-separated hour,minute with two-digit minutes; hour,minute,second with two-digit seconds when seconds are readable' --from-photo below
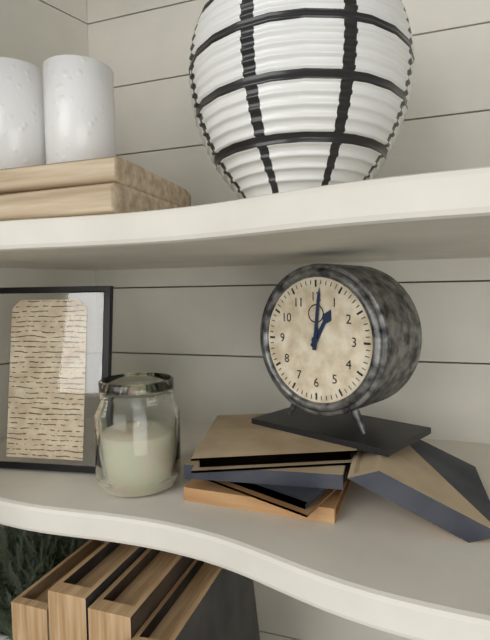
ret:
1,01
